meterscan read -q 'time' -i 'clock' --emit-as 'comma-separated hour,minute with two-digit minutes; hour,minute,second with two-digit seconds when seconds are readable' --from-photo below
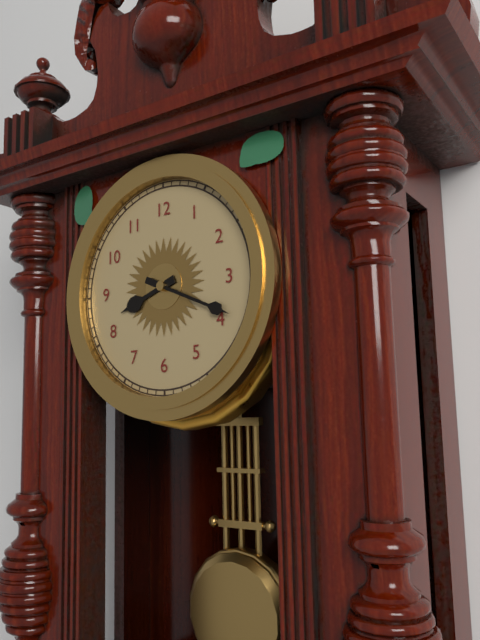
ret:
8,19
